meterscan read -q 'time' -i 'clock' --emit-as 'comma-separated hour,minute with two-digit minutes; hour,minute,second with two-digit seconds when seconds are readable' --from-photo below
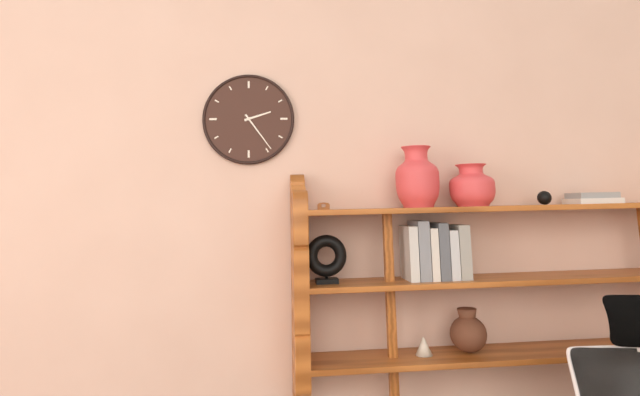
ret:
2,24
